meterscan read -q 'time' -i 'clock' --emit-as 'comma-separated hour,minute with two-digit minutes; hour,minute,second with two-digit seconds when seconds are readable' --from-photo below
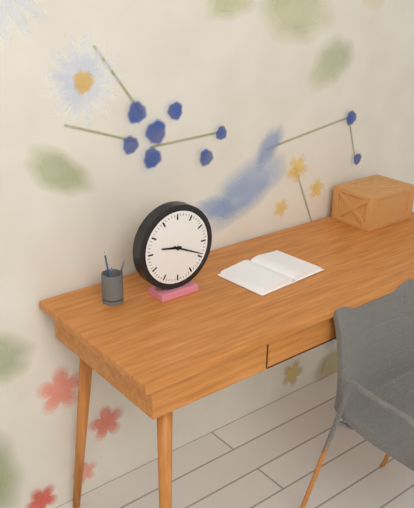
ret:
9,19
